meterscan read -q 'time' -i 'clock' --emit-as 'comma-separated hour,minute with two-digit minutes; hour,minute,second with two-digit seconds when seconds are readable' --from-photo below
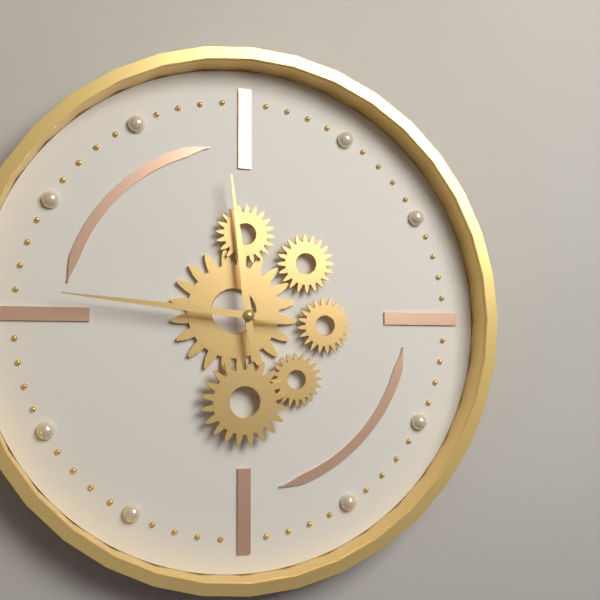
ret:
11,46
